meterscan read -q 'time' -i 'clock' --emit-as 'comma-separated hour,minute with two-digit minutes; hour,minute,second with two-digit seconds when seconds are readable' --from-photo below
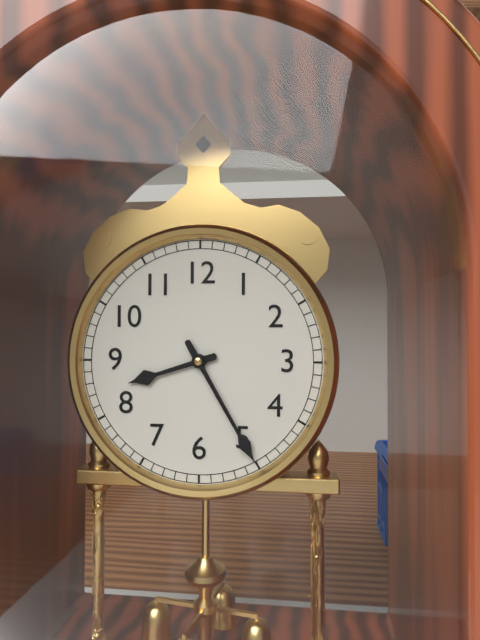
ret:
8,25
